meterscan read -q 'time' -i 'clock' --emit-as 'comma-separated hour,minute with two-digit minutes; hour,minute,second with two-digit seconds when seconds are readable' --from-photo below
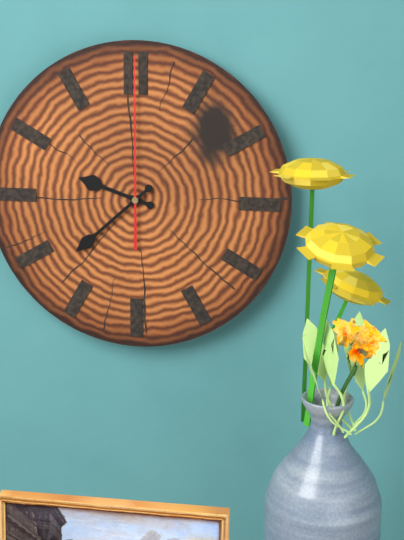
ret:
9,38,00
